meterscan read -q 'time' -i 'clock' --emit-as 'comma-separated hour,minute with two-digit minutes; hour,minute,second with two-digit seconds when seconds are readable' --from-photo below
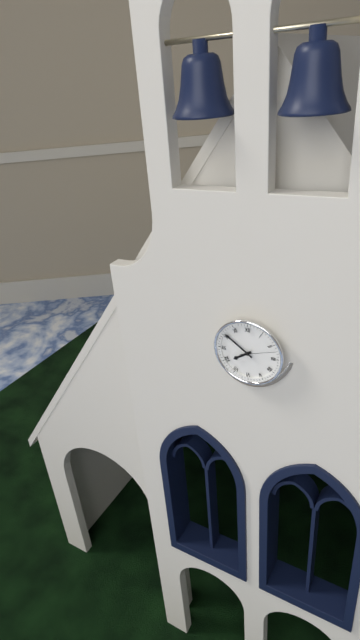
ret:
7,51
